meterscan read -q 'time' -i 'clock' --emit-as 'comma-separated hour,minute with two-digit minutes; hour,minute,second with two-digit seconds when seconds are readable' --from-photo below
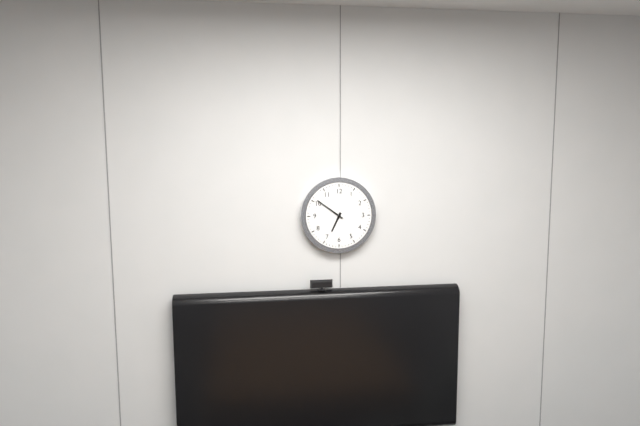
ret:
6,51
